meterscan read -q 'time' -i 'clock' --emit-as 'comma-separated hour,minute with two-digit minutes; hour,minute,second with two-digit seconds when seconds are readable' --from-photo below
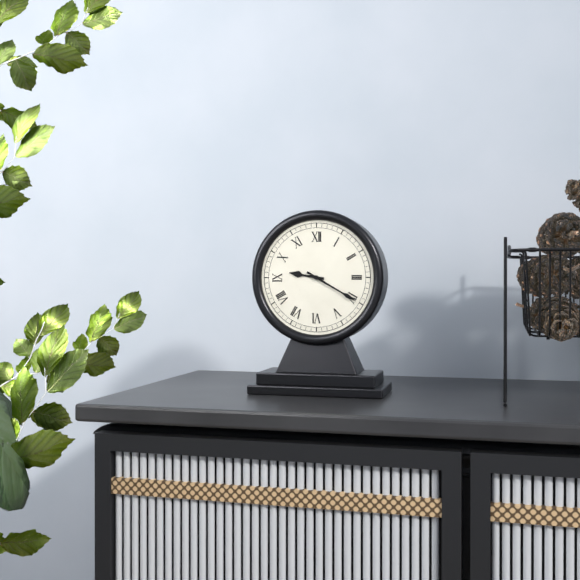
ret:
9,20
